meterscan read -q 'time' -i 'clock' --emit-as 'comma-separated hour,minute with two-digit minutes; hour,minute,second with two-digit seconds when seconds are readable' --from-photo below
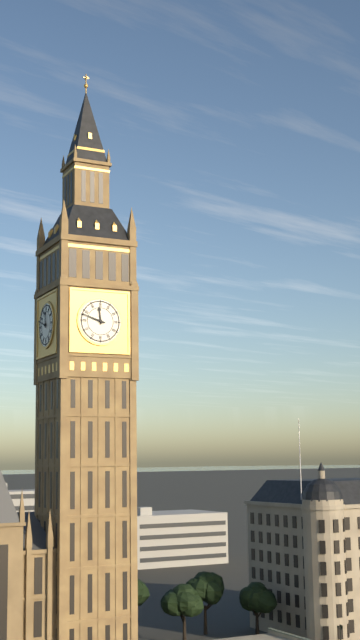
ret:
11,48
